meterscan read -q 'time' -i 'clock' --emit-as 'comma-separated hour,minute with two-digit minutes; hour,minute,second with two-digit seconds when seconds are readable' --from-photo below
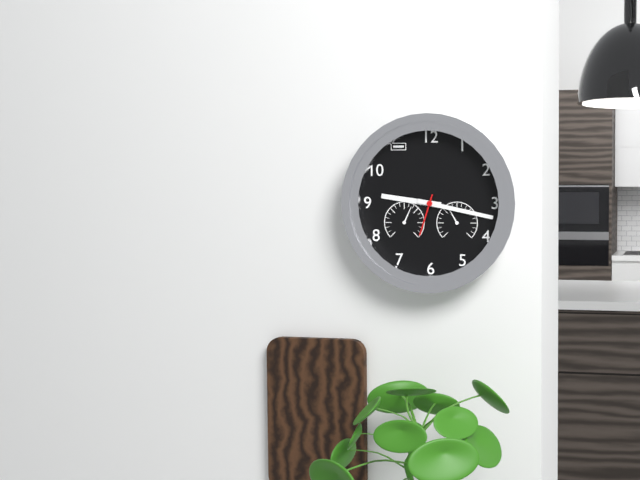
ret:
9,17
